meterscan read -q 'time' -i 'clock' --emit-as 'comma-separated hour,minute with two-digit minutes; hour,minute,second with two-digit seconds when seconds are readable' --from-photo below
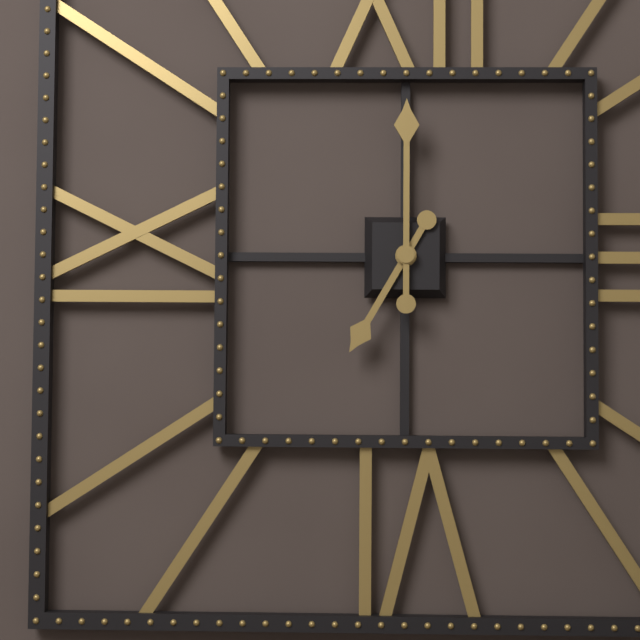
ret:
7,00
